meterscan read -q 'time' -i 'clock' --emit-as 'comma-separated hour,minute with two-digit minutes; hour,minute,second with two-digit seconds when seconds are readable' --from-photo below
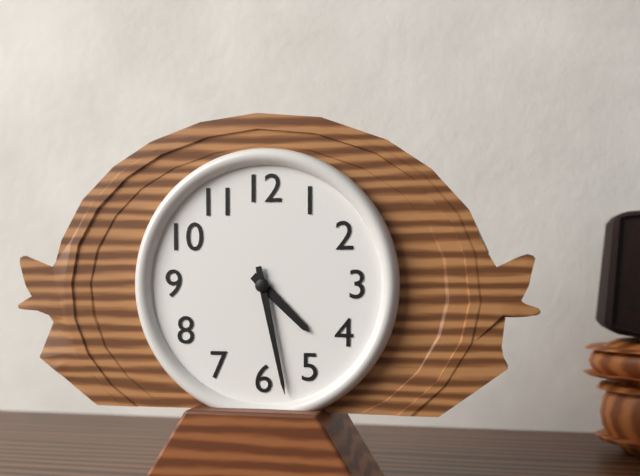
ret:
4,28
